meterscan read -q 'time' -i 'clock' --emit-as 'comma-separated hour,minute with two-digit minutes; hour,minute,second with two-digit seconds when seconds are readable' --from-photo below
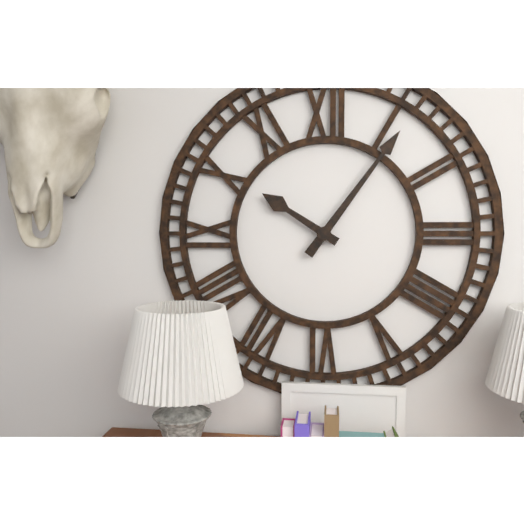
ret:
10,06
